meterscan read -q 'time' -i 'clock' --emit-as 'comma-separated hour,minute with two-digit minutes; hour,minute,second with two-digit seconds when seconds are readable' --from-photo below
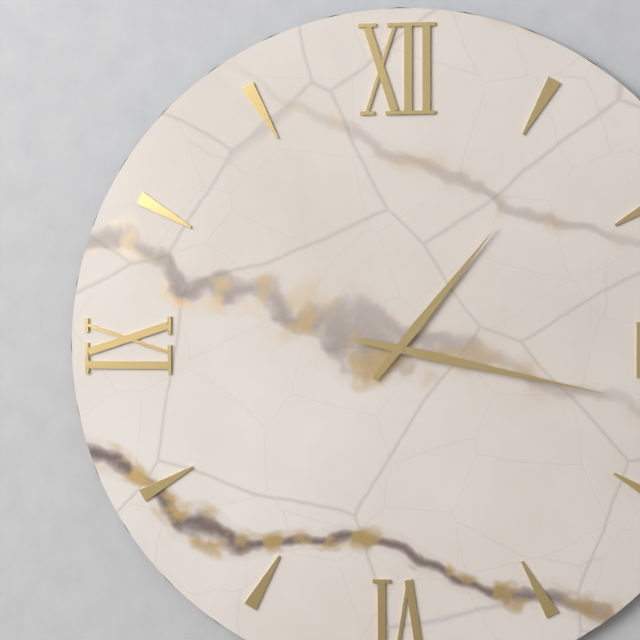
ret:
1,17
